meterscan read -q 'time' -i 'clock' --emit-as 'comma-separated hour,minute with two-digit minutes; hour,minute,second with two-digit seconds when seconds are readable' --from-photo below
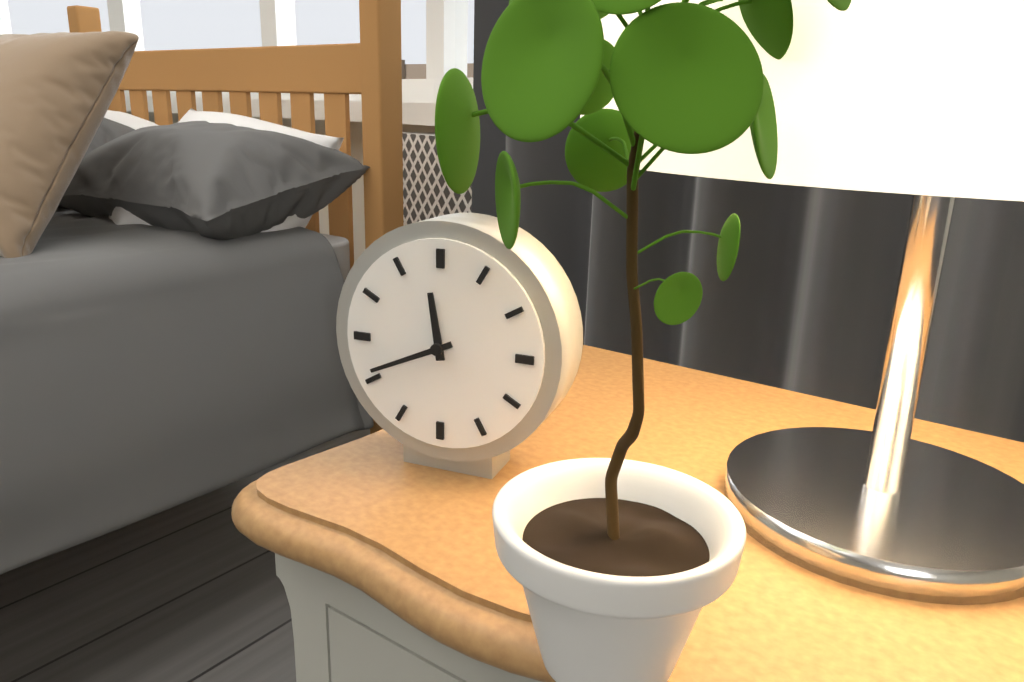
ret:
11,41
